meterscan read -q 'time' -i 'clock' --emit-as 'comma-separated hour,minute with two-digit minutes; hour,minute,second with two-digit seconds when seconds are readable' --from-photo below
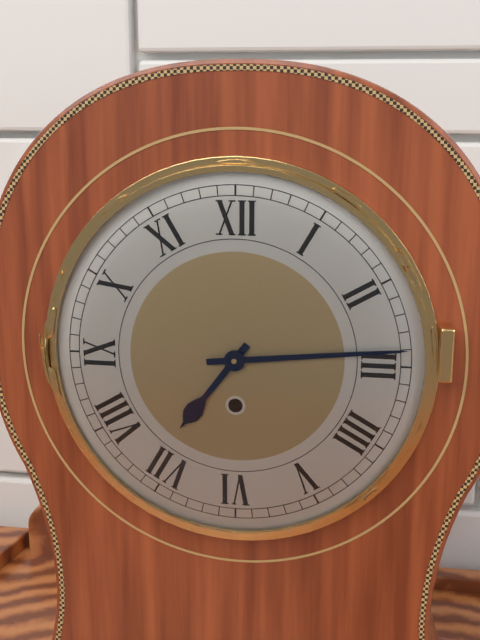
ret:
7,14
